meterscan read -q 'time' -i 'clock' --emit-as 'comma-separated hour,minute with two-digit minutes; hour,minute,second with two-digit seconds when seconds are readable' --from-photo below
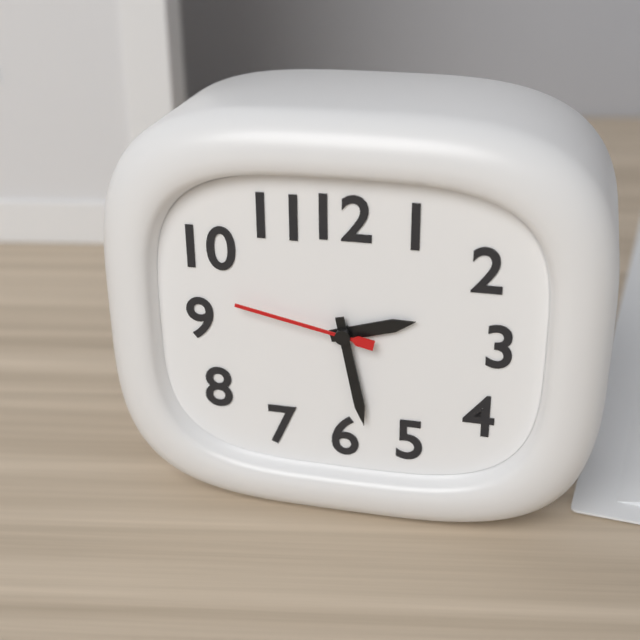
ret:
2,28,47
